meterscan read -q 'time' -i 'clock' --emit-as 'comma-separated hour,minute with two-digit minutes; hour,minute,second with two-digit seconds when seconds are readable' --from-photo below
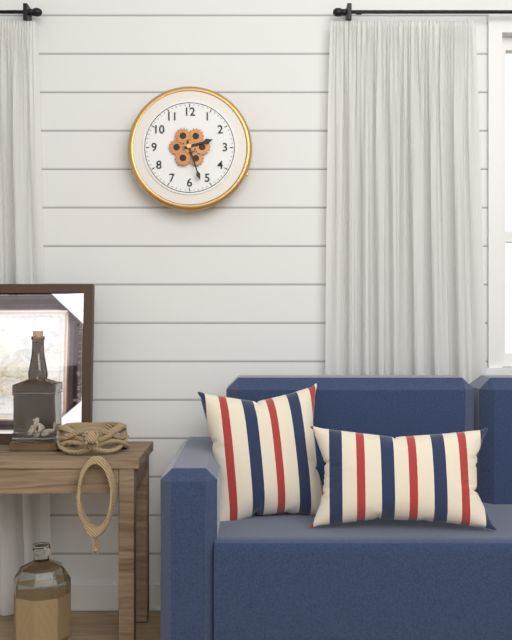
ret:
2,27
